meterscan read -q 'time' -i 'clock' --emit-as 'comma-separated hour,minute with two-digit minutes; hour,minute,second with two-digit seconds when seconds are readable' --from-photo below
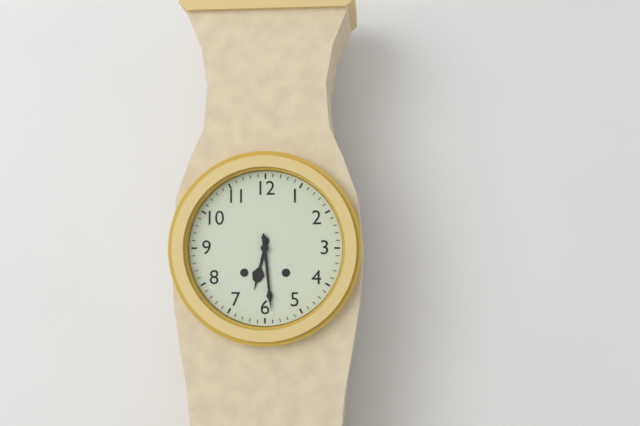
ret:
6,29
